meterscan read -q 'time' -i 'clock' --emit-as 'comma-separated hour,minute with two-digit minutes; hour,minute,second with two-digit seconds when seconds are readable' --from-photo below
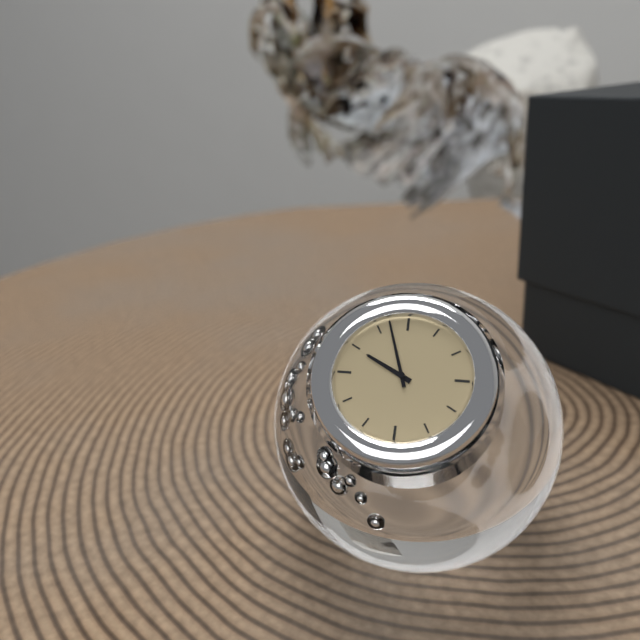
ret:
9,57
